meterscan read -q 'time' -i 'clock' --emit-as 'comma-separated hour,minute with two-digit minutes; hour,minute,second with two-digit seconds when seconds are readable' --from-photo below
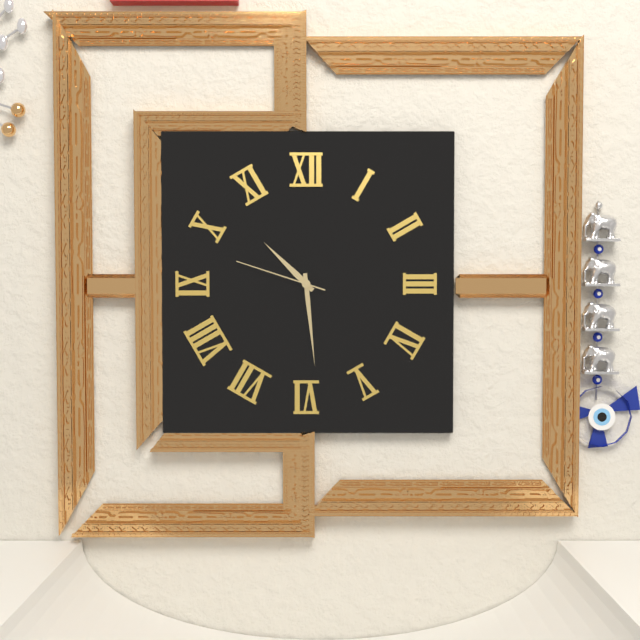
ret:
10,29,48
